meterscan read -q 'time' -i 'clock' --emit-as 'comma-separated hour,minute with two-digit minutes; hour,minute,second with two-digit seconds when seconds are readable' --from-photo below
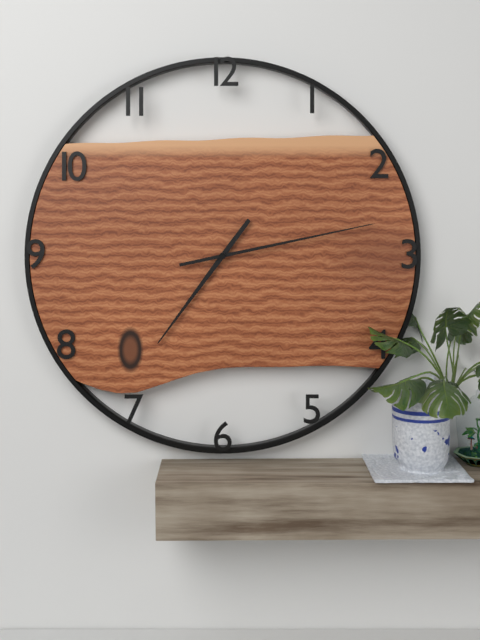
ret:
7,13
